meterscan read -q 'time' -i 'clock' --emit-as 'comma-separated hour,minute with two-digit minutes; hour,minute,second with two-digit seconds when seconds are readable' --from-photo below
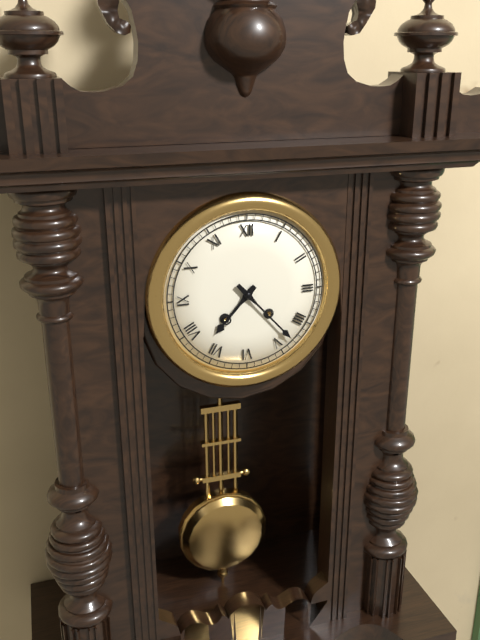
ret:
7,23
